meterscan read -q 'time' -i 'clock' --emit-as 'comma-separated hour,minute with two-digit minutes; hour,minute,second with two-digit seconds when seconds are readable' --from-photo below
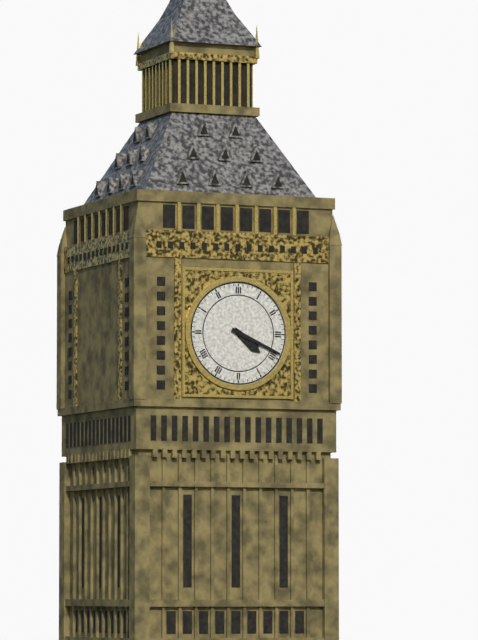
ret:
4,19
